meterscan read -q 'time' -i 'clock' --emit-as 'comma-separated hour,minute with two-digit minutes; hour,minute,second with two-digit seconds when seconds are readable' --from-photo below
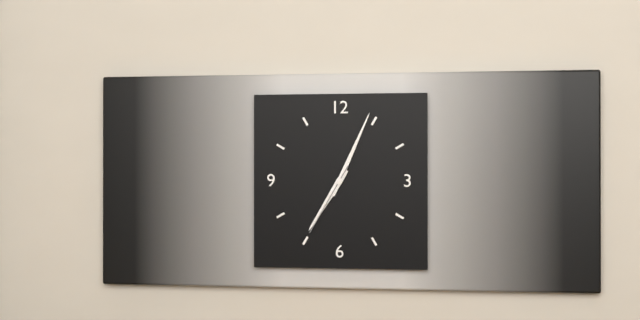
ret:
7,04,35
